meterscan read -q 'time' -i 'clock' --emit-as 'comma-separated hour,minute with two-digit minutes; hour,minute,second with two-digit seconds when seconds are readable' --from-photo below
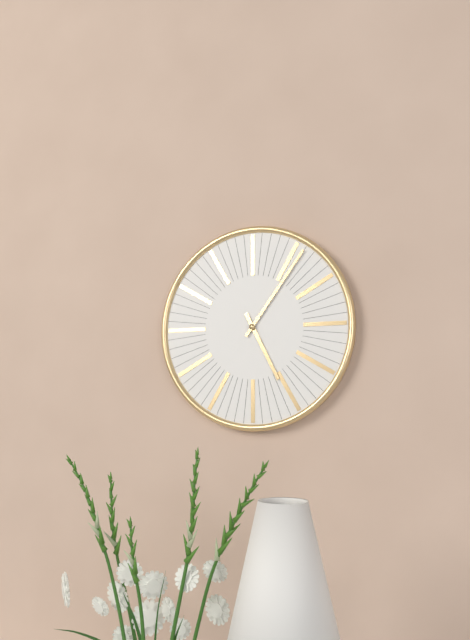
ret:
5,06
